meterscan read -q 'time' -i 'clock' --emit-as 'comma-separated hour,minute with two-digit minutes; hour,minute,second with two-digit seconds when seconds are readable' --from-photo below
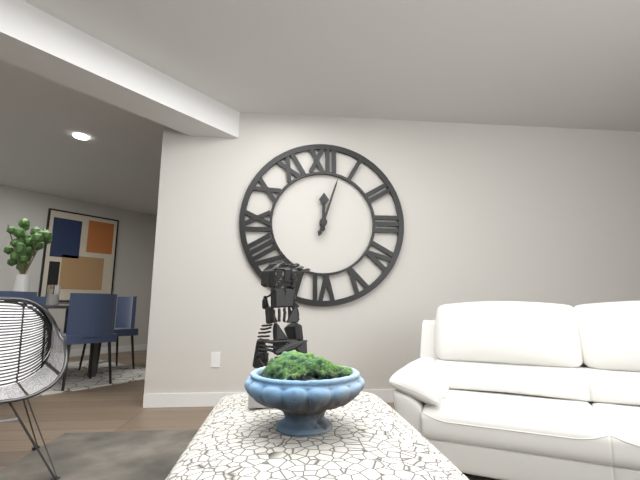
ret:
12,03
